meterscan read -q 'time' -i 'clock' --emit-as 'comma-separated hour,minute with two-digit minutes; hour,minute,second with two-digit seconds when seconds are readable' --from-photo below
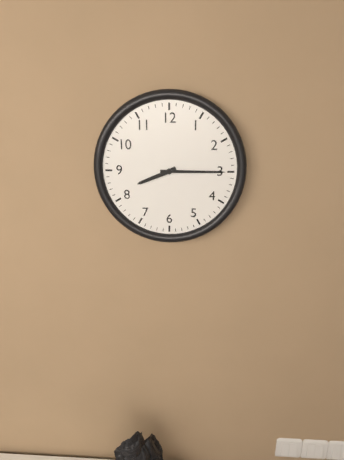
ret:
8,15
